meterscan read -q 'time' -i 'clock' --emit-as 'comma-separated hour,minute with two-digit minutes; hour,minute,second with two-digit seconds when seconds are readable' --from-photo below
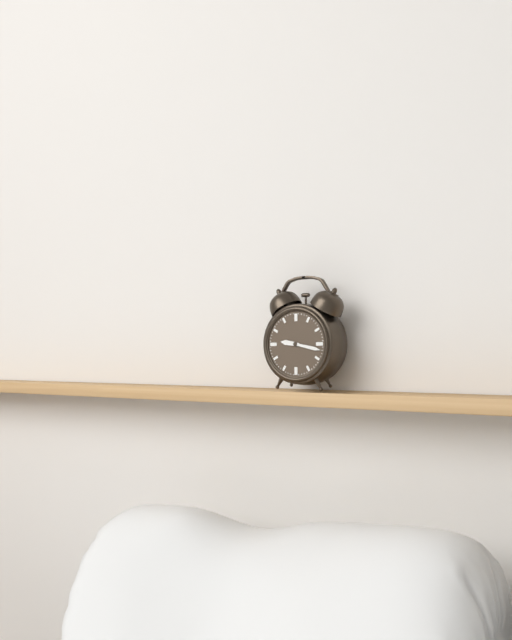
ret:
9,17
